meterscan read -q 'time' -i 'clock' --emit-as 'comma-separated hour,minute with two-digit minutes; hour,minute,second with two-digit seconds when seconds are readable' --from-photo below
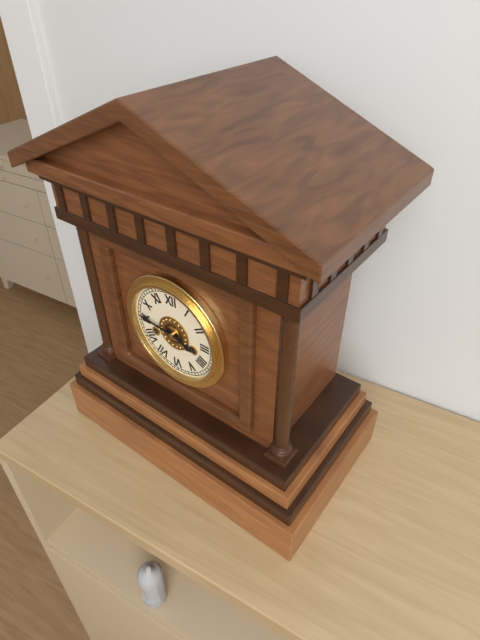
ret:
3,46
